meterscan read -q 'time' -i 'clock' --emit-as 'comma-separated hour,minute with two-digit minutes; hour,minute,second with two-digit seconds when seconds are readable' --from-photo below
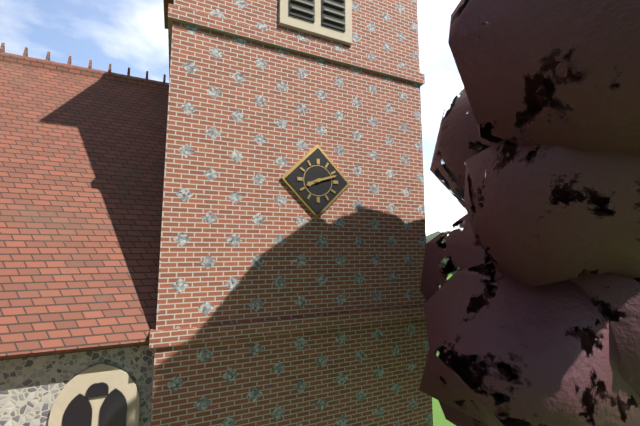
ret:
8,12
